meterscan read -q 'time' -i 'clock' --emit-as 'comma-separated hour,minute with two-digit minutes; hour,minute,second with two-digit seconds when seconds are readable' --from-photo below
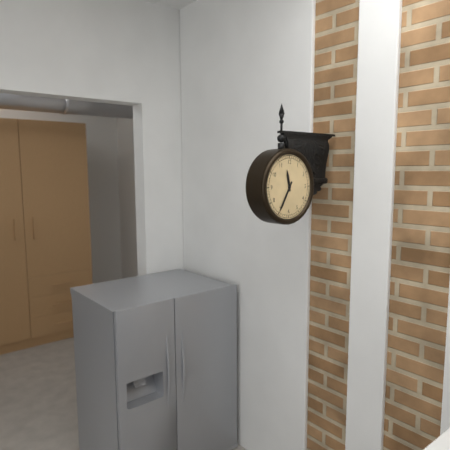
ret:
11,35
